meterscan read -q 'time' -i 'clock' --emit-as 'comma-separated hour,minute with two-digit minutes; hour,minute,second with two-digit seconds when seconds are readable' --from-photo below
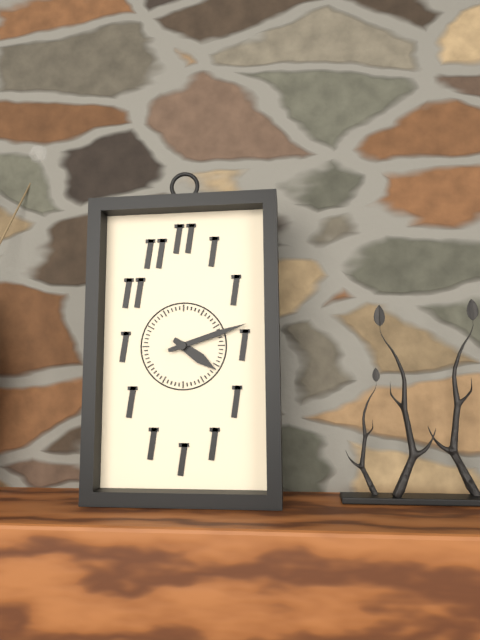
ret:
4,12
